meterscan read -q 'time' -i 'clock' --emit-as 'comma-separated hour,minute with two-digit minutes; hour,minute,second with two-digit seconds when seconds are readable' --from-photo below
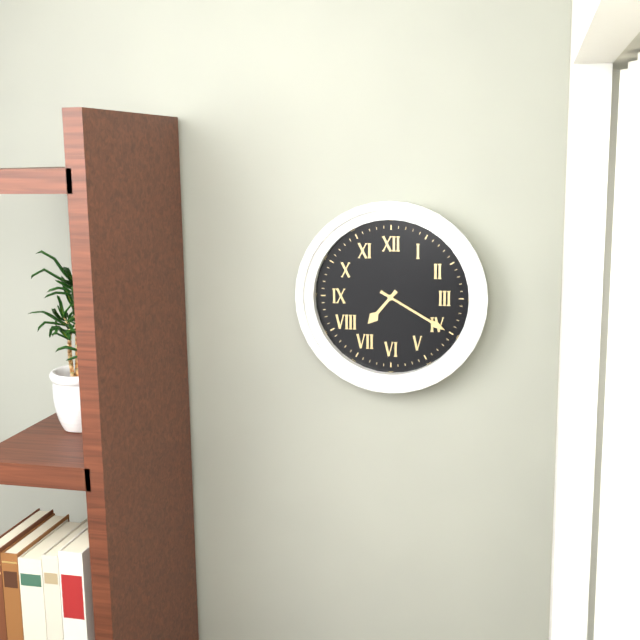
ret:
7,20
